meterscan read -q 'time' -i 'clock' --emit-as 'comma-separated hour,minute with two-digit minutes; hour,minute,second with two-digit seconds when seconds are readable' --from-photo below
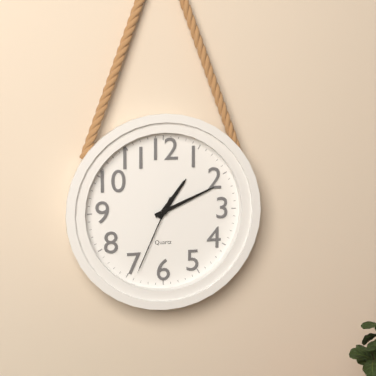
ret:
1,11,34
